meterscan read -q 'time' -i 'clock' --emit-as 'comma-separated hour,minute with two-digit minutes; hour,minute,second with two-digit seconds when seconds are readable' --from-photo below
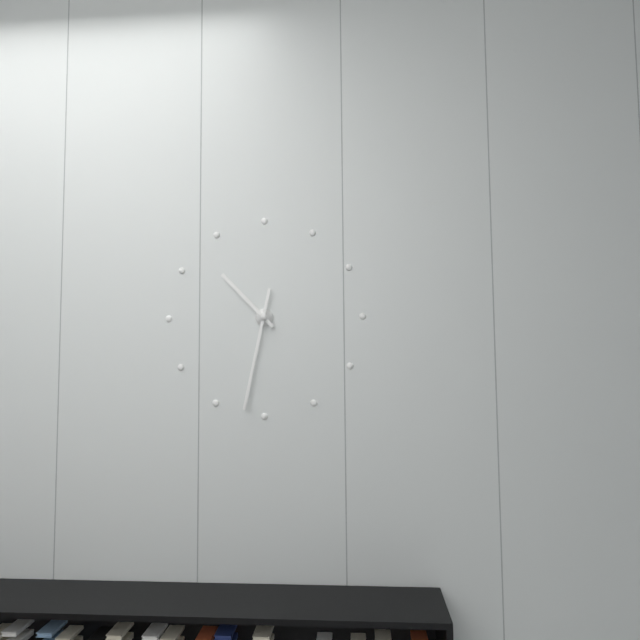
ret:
10,32
